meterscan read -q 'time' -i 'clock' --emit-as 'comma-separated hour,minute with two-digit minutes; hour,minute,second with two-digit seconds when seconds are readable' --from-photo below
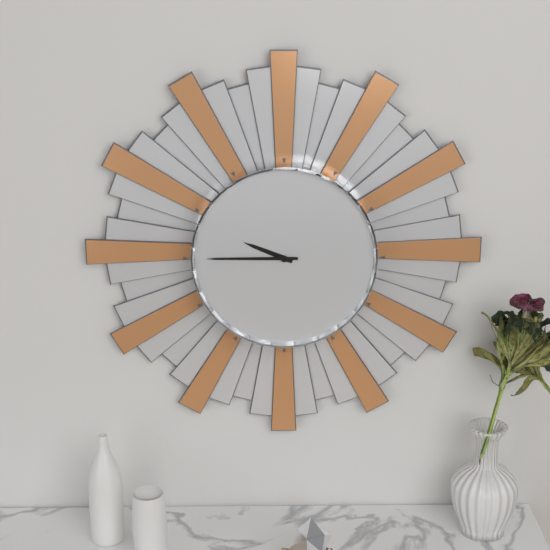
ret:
9,45
